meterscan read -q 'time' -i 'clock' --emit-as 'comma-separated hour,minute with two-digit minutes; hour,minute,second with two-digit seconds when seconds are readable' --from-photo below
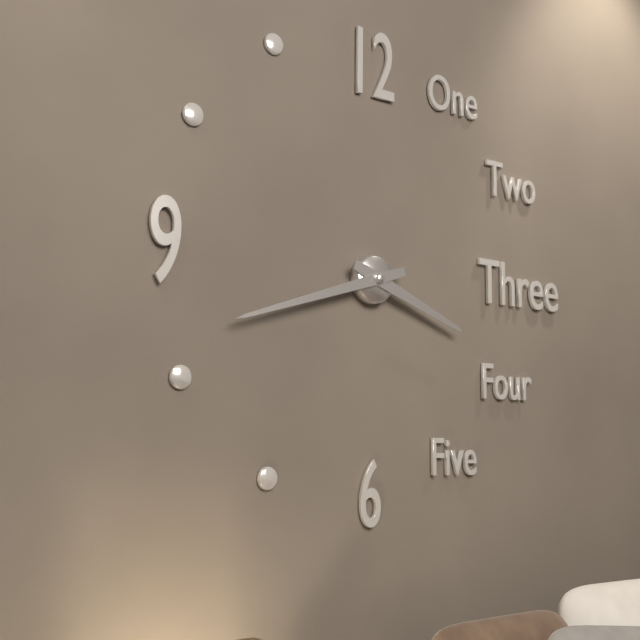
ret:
3,42
